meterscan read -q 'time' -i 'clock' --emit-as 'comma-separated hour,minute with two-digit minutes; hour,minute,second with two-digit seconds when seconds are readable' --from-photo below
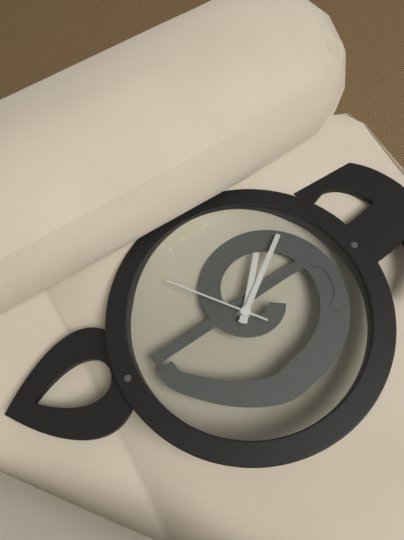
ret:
4,24,09
